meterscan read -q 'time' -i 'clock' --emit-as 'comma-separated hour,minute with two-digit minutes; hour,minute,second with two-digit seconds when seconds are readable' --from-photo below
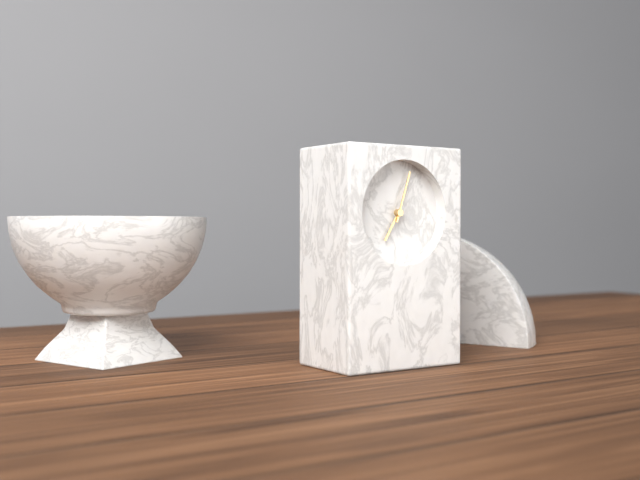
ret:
7,03
